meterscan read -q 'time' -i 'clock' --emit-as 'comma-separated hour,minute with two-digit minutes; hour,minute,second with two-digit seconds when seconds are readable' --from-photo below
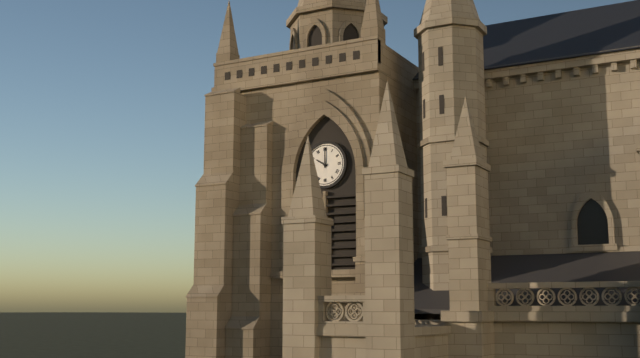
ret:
10,00
